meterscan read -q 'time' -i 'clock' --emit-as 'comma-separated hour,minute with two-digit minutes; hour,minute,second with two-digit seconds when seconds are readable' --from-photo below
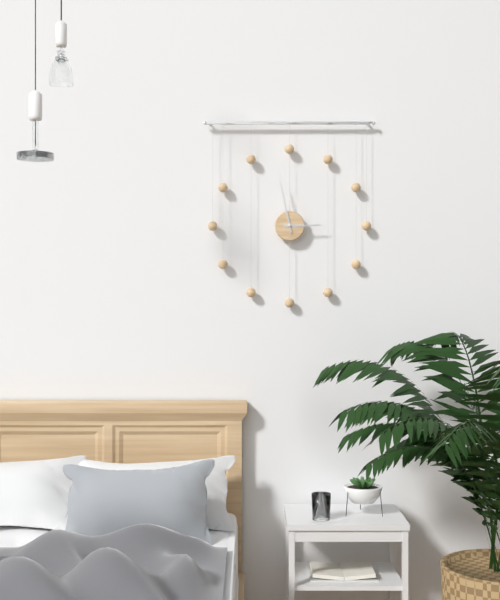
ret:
2,58
